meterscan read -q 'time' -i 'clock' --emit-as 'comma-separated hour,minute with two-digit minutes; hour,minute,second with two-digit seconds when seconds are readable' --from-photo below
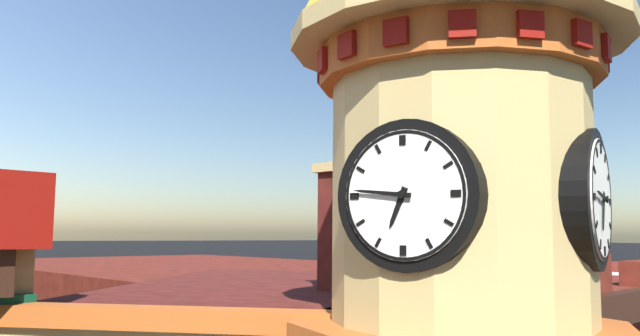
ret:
6,46
